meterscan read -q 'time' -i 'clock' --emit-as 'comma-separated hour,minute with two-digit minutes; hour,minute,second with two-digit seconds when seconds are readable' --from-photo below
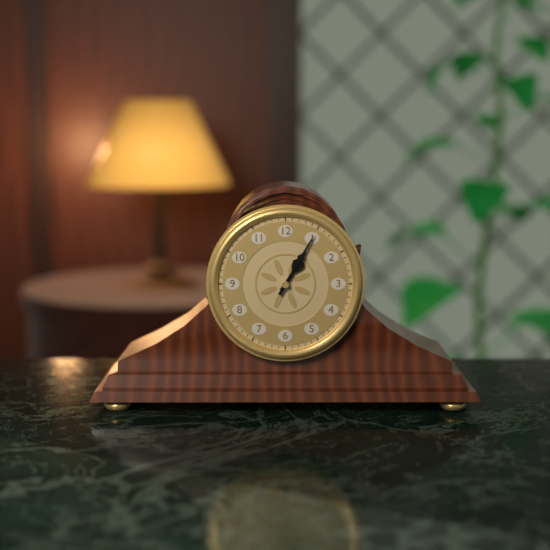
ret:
1,05
